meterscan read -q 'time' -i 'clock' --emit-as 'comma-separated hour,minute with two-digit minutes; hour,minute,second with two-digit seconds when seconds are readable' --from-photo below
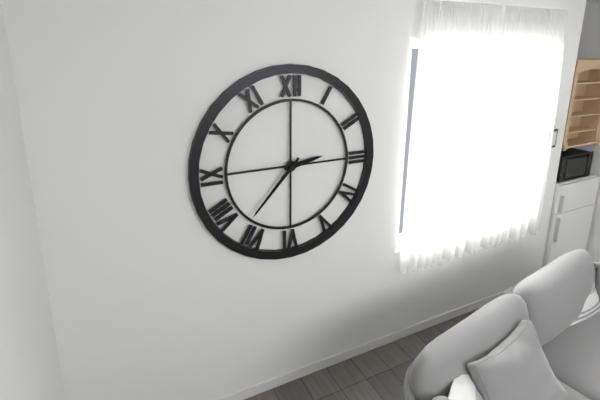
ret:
2,37
